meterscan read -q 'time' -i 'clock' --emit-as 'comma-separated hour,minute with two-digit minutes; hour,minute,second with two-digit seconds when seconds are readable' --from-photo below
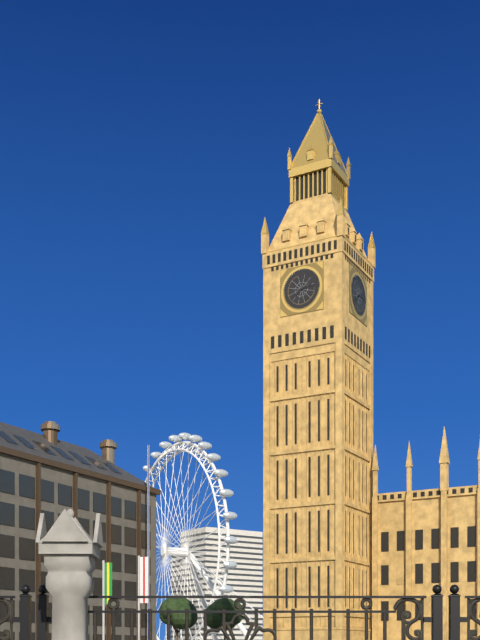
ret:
2,38
